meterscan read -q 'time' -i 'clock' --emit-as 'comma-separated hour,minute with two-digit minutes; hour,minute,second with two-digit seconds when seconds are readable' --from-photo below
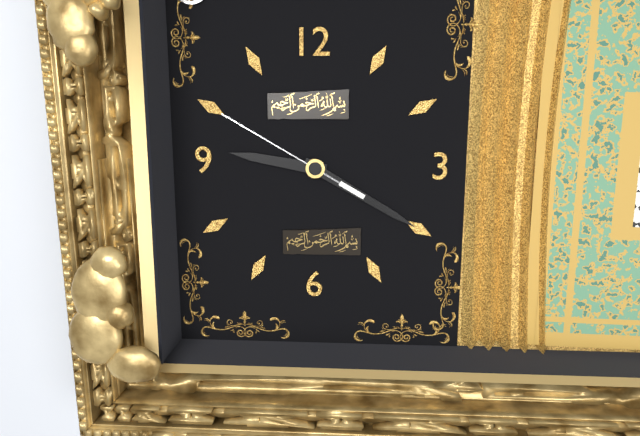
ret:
9,20,50
